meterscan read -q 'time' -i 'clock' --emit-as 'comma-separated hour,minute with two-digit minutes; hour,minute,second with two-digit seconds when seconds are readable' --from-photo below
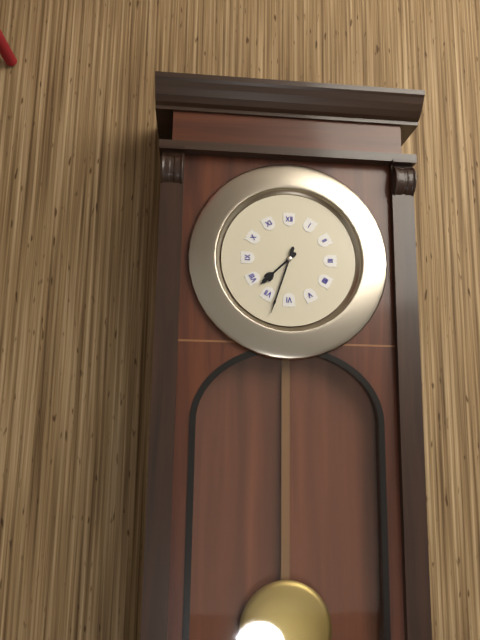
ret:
7,33
